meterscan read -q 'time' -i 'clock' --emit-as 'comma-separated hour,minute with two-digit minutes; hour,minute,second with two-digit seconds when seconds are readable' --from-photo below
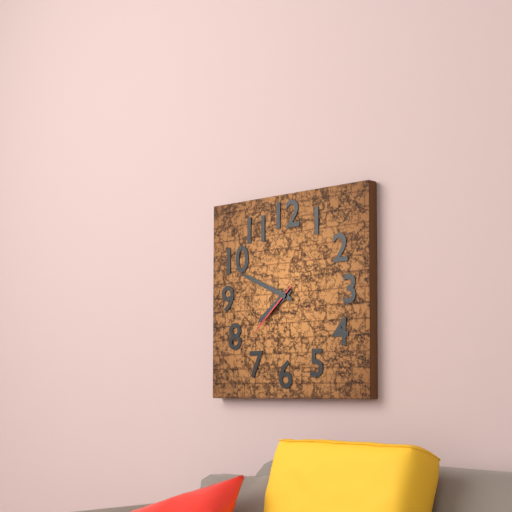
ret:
7,49,38
